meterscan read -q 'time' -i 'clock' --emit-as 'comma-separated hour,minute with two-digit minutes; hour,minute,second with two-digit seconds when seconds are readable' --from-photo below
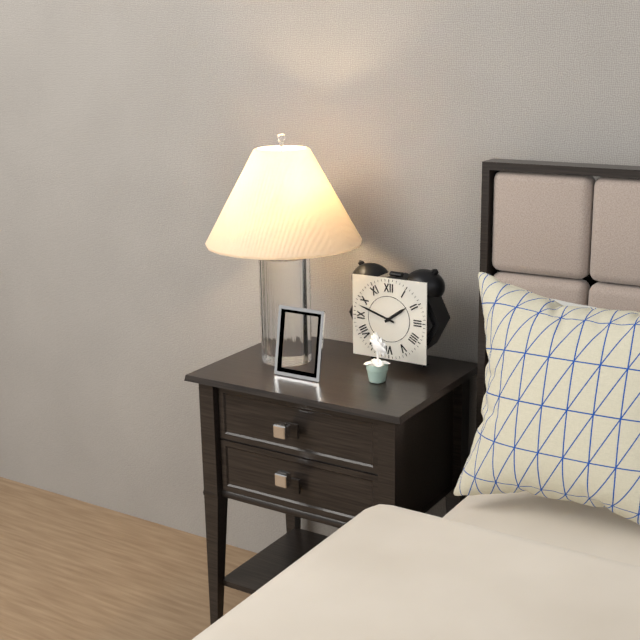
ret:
1,48
